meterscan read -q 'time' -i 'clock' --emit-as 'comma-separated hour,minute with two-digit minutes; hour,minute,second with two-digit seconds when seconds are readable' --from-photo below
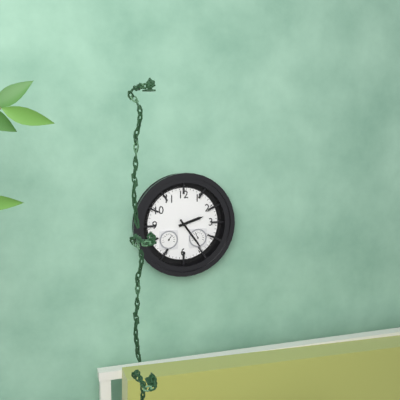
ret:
2,24
